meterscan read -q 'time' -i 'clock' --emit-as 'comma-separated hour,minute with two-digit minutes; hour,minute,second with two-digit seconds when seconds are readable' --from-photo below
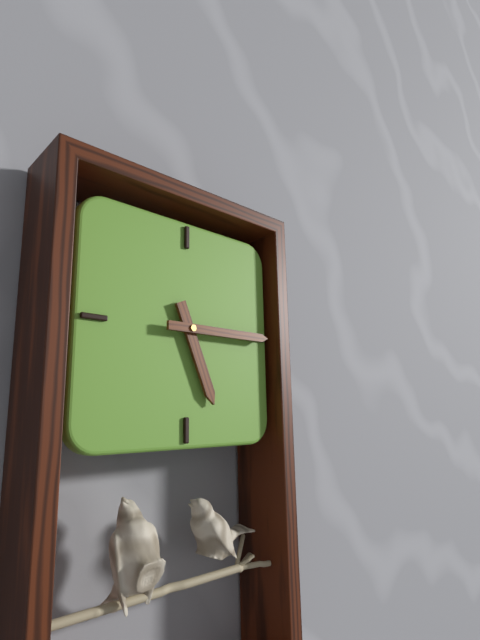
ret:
5,15
